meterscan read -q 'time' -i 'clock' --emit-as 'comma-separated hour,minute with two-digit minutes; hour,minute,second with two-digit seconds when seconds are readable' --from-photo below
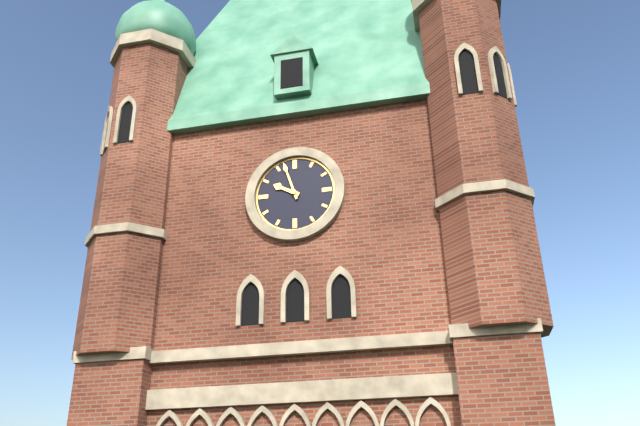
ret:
9,57
